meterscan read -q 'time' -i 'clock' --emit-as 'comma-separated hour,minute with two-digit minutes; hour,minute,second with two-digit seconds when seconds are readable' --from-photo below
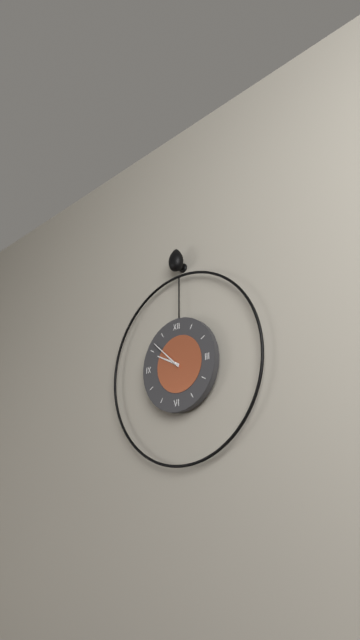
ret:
9,52
